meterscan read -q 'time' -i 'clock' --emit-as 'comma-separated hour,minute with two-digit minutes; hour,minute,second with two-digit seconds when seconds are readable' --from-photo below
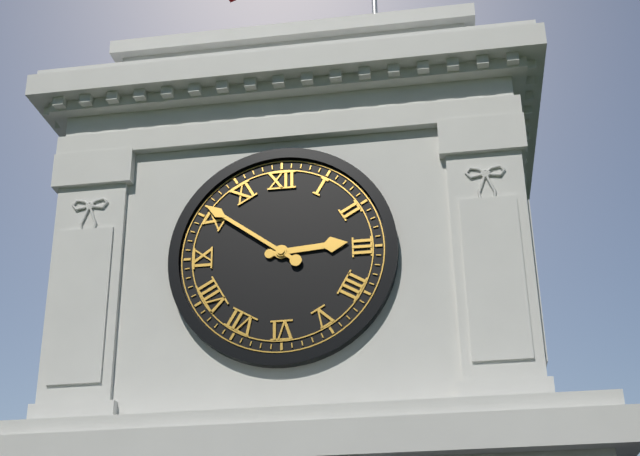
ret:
2,51
